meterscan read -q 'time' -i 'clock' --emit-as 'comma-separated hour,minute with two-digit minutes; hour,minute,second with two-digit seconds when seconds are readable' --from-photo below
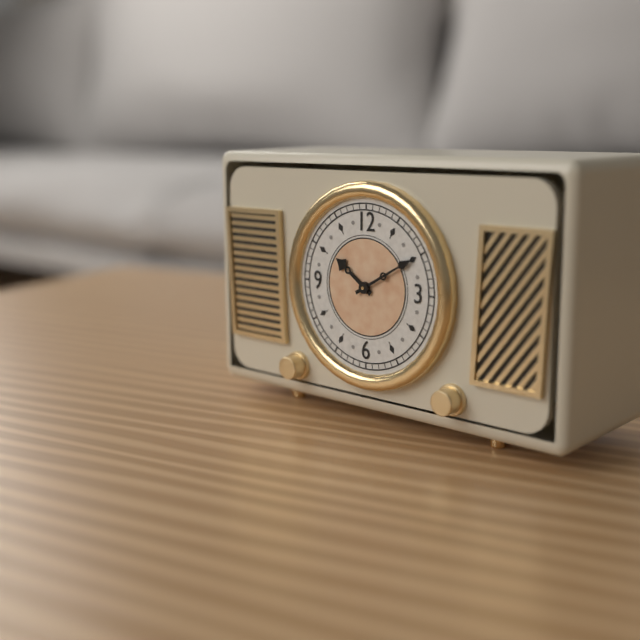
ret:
10,10
